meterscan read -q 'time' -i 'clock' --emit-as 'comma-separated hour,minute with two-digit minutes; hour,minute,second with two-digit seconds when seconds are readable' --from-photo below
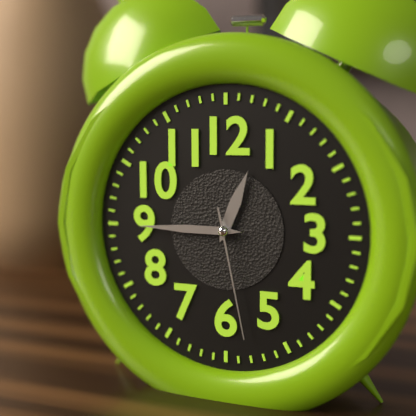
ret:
12,45,28
